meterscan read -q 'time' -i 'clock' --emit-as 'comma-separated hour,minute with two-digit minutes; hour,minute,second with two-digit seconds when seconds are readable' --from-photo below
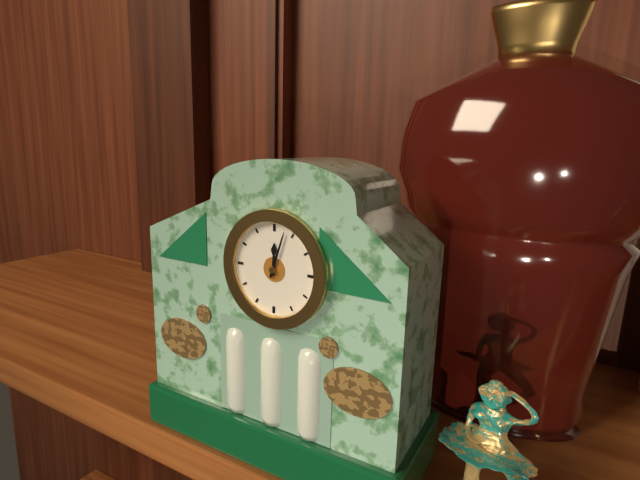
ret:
12,03
